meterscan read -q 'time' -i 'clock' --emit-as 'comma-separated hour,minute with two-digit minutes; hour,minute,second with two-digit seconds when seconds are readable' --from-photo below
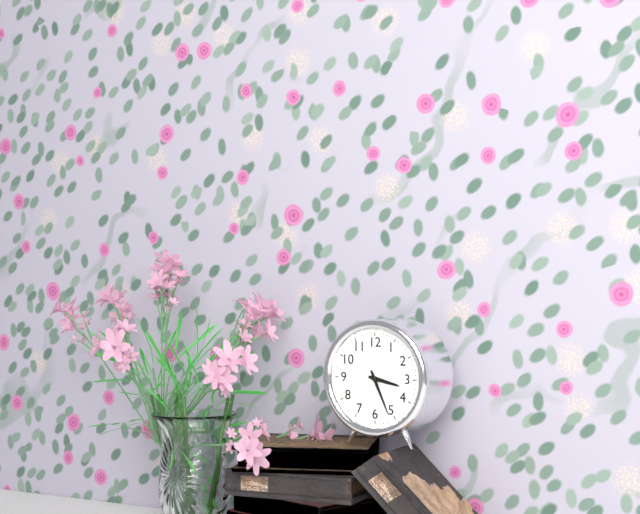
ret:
3,26
